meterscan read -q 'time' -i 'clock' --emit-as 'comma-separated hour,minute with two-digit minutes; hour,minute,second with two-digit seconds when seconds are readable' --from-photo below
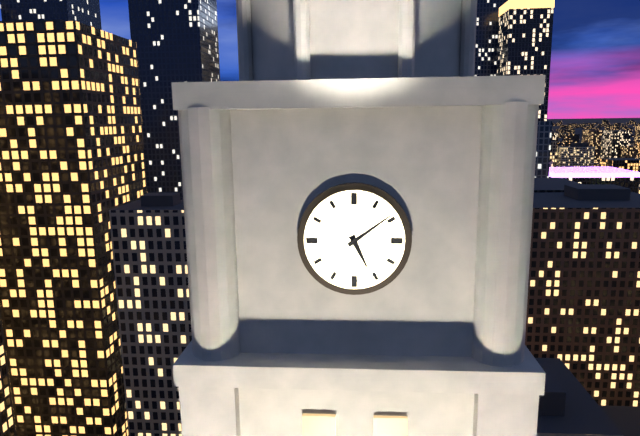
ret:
5,09
